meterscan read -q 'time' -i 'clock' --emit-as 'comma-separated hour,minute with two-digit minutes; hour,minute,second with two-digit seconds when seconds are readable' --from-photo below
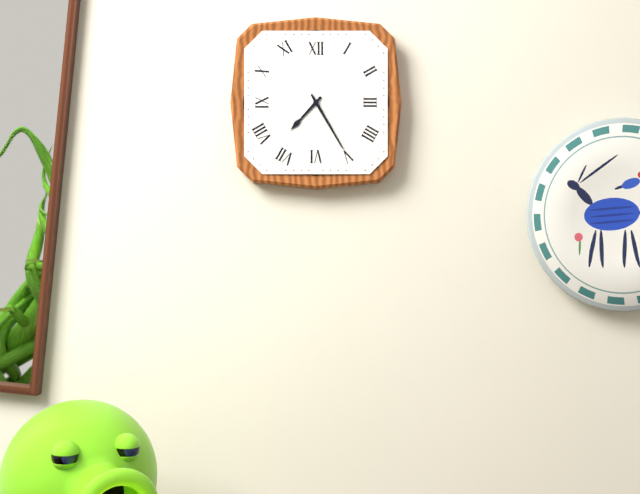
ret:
7,25
